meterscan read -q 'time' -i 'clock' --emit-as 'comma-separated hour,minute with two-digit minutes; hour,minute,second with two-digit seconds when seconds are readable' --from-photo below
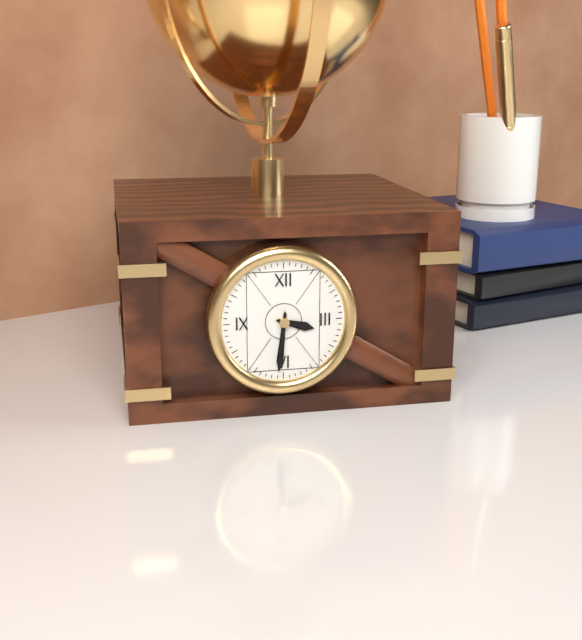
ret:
3,31
